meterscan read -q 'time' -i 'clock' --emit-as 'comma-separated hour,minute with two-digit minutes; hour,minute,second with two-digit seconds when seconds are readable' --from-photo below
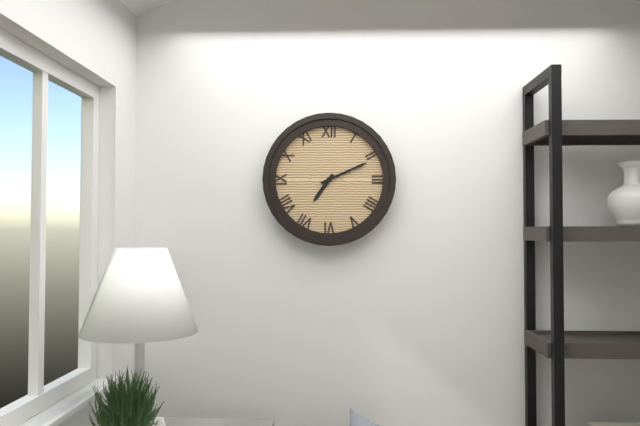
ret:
7,11
